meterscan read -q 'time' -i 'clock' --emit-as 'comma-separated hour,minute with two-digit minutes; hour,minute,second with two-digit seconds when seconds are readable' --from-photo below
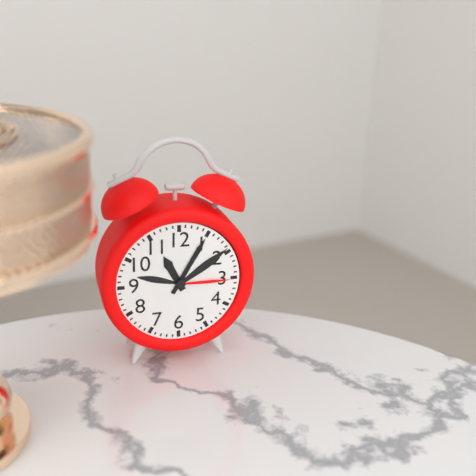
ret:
11,05
